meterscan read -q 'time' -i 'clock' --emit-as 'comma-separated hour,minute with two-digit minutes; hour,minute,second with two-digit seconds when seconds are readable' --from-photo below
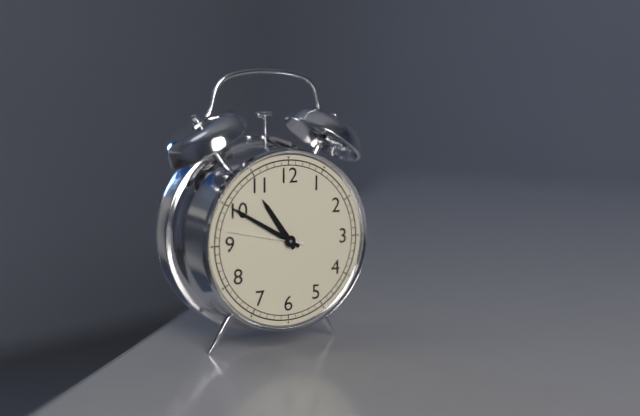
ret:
10,50,47
